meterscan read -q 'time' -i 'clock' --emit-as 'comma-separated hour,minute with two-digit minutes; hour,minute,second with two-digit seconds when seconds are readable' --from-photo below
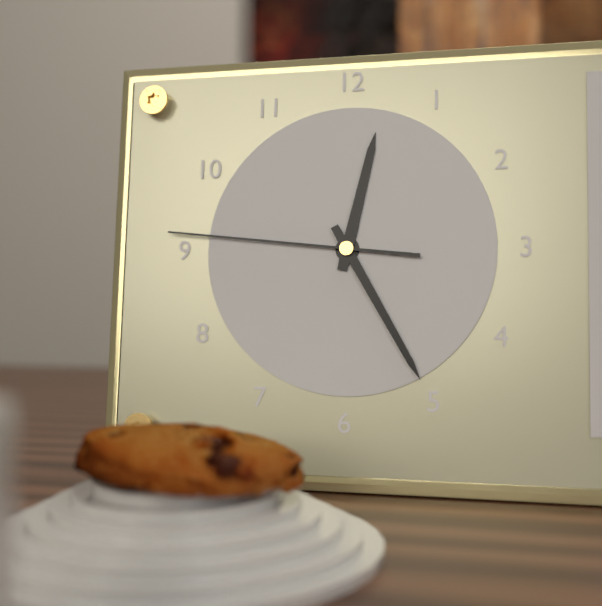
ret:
12,25,46
